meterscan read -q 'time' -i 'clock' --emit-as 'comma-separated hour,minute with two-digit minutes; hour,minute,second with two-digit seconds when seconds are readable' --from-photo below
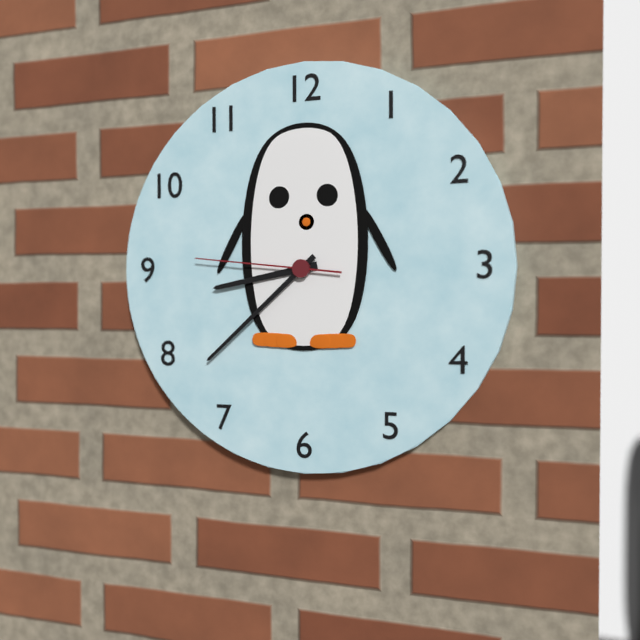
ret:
8,38,46
